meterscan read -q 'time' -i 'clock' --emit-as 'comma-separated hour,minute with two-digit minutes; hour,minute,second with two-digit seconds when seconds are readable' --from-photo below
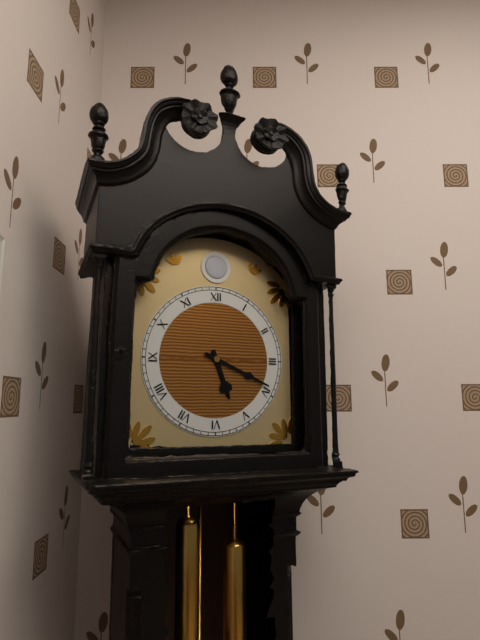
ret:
5,19
